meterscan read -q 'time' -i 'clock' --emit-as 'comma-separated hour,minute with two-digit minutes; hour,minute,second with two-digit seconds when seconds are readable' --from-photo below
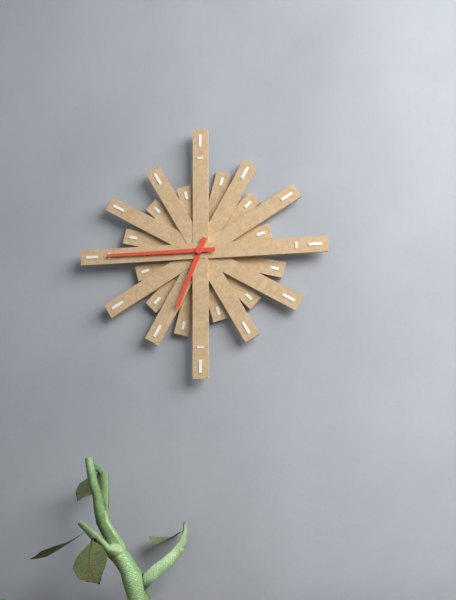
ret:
6,45
